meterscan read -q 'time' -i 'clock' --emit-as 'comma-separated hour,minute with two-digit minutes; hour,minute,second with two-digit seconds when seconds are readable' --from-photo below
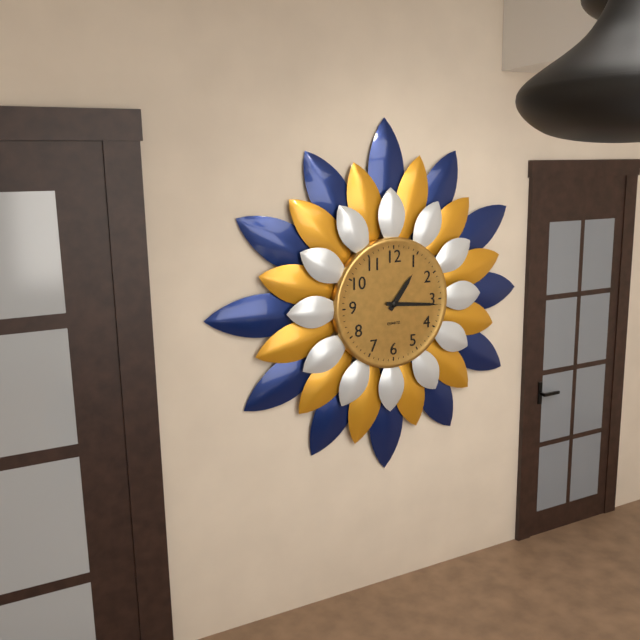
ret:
1,16
